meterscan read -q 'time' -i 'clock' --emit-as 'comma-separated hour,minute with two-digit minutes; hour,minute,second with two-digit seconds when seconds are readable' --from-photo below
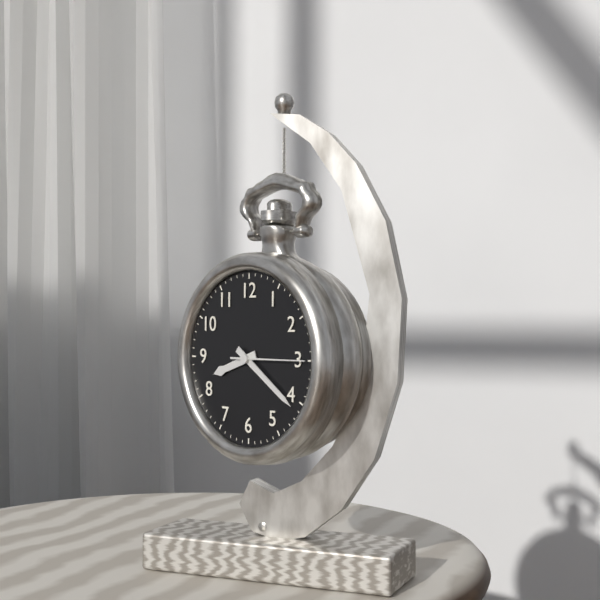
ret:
8,21,15
